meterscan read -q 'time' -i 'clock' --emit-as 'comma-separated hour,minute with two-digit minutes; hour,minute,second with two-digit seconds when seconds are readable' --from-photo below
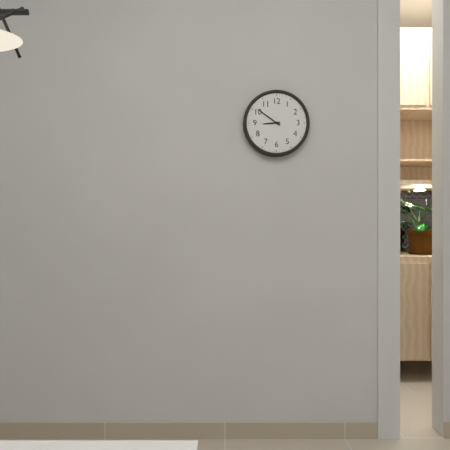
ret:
8,51
